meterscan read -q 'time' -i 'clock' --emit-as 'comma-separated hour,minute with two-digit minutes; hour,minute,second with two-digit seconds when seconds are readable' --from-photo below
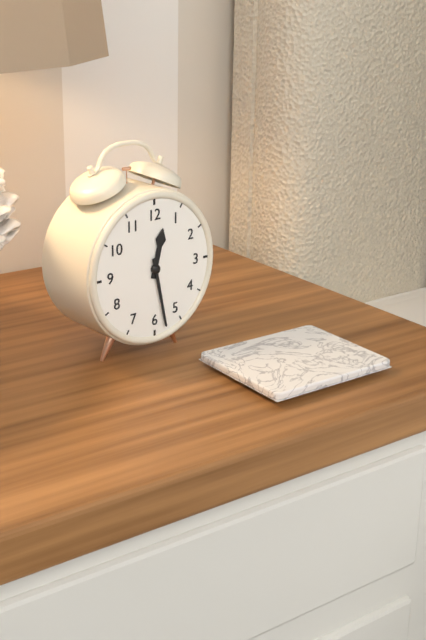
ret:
12,28
